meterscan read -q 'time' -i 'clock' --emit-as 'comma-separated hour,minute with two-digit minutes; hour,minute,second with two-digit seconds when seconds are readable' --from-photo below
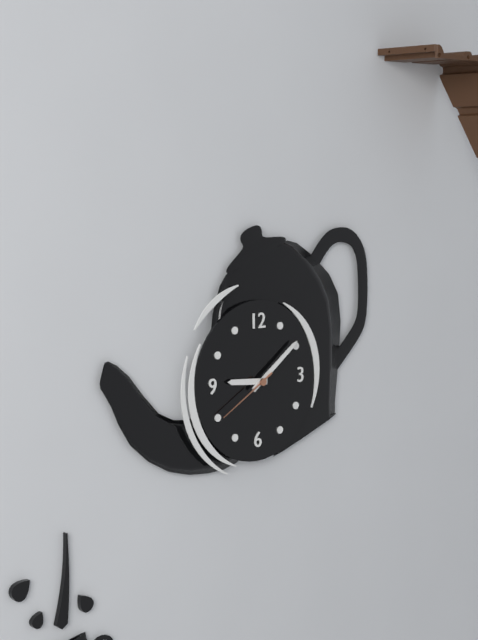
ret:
9,09,40
